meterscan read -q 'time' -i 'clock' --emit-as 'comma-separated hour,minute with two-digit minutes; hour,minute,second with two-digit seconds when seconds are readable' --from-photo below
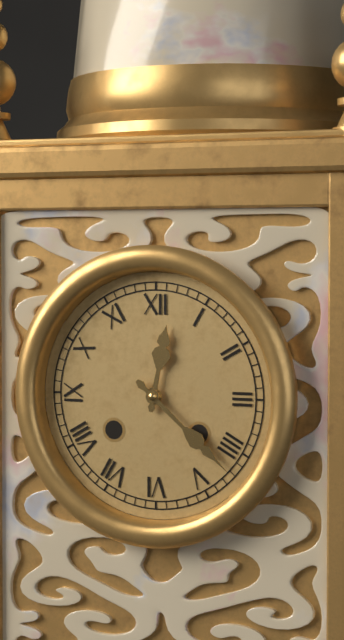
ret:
12,22
